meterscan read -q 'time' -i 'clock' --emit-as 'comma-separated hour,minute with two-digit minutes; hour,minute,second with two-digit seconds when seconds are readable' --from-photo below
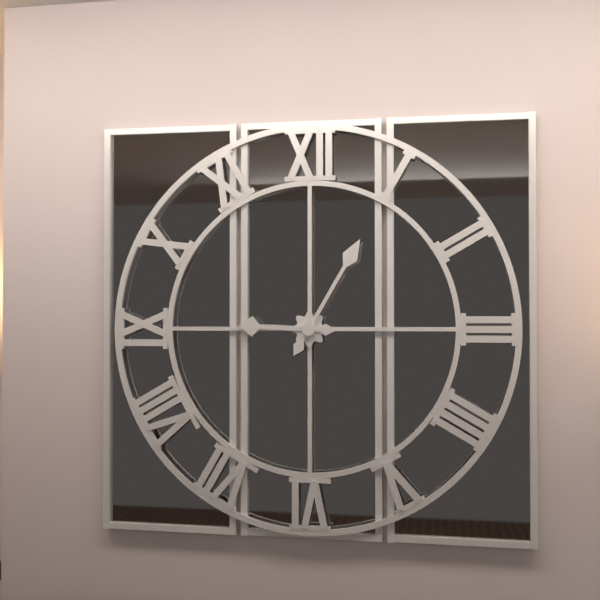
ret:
9,05
